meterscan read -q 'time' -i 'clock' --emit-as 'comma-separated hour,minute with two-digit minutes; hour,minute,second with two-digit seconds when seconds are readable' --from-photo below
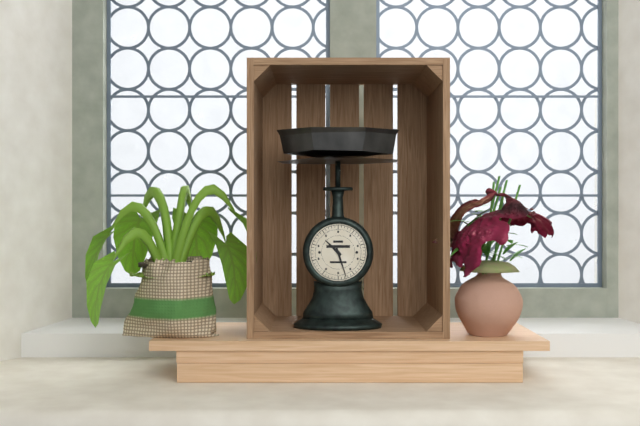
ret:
10,27
